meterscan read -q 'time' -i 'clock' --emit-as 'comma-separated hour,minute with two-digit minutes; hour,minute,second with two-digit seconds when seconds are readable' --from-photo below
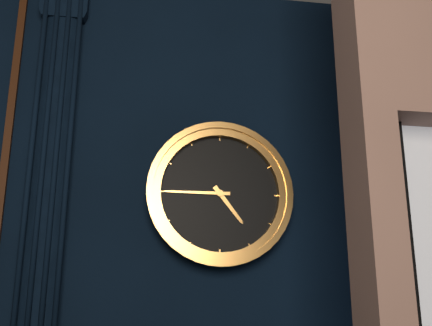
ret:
4,45
